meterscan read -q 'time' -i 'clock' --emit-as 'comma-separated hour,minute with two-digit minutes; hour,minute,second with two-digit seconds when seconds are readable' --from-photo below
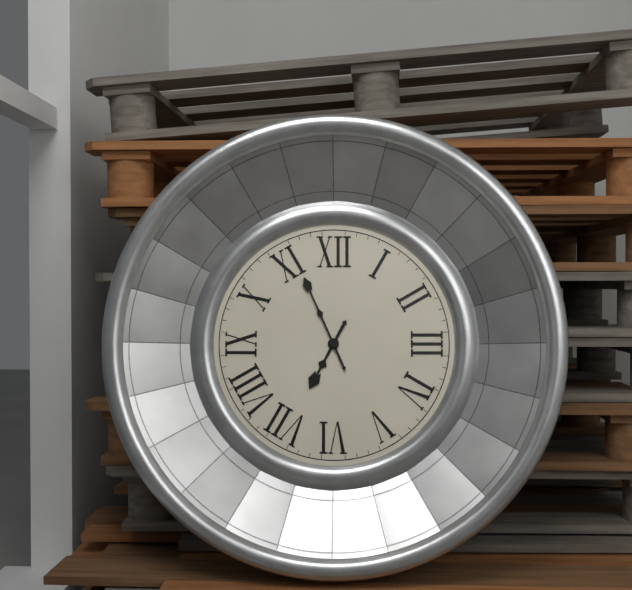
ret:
6,56
